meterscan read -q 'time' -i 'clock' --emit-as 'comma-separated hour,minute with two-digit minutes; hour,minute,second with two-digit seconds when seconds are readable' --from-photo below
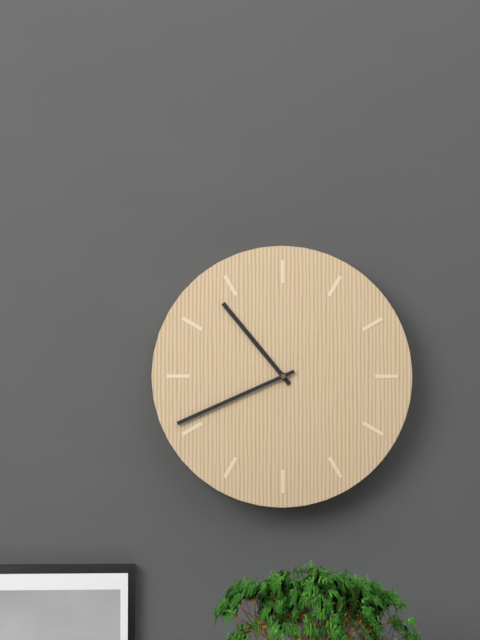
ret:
10,41
